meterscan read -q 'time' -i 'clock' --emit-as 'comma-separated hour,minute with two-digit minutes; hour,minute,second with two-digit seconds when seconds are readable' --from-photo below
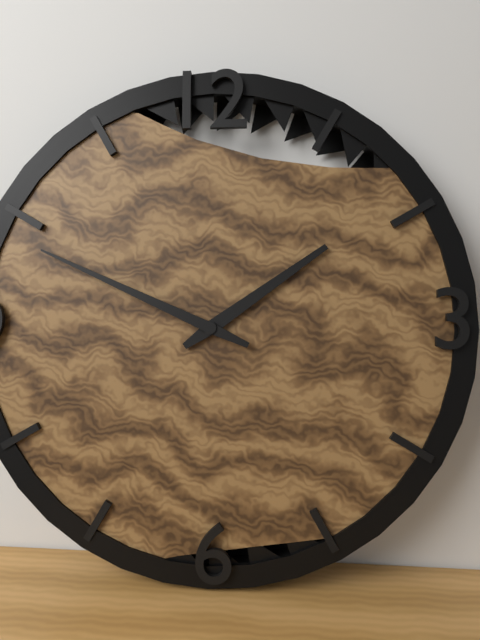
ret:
1,49
